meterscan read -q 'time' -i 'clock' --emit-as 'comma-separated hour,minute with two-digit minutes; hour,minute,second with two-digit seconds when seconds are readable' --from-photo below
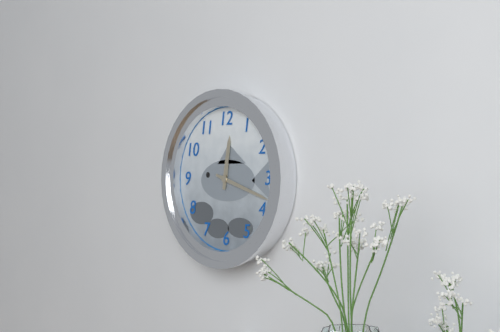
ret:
12,18
